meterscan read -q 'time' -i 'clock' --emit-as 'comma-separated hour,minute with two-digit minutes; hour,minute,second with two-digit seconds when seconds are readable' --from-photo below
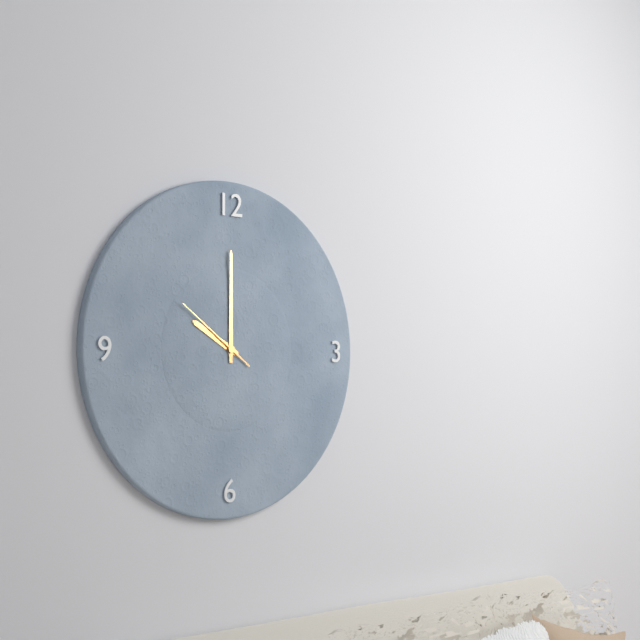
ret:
10,00,51
